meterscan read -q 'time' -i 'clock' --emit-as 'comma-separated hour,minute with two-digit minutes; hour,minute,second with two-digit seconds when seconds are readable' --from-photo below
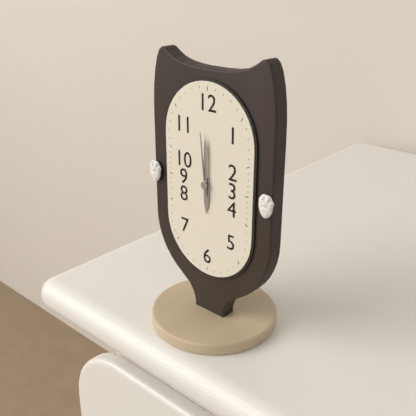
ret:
6,00,59
